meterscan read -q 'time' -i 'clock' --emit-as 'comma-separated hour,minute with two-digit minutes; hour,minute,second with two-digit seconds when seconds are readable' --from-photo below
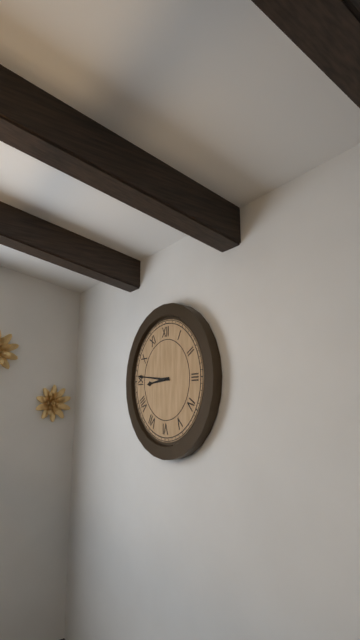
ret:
8,46
